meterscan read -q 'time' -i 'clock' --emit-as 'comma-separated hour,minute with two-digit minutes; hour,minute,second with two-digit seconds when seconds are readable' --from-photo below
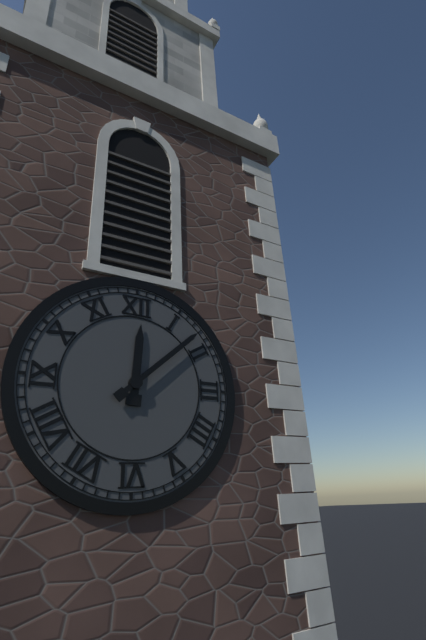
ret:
12,08
